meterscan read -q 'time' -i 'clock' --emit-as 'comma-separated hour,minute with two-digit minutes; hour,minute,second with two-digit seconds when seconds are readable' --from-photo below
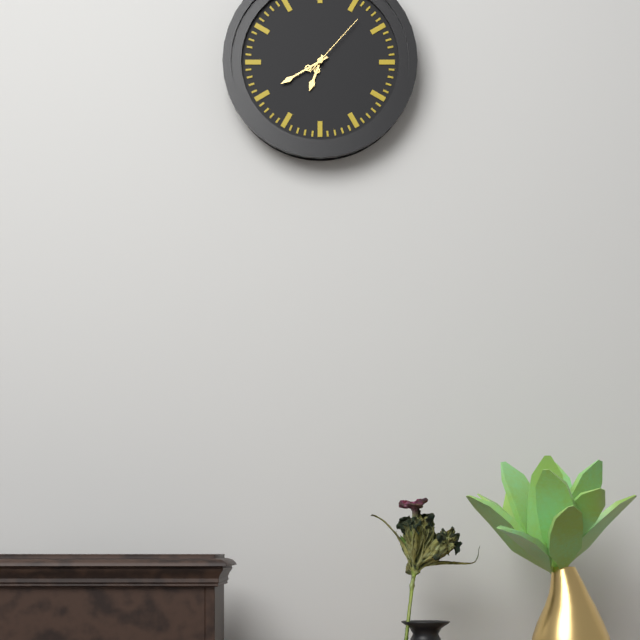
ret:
6,40,07
